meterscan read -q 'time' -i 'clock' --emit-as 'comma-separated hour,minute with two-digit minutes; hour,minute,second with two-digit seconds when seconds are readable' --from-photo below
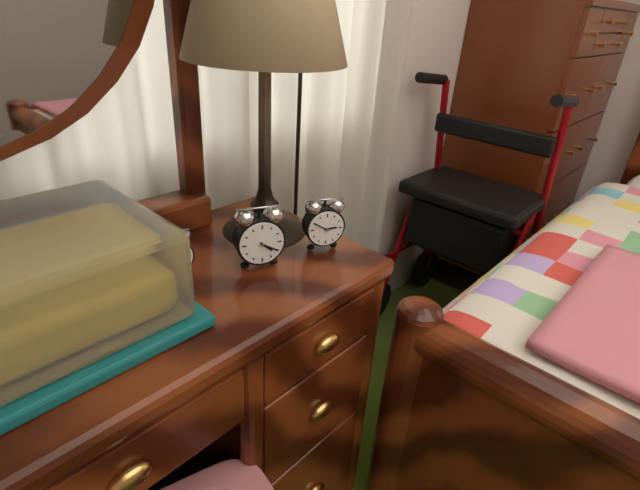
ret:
4,20
